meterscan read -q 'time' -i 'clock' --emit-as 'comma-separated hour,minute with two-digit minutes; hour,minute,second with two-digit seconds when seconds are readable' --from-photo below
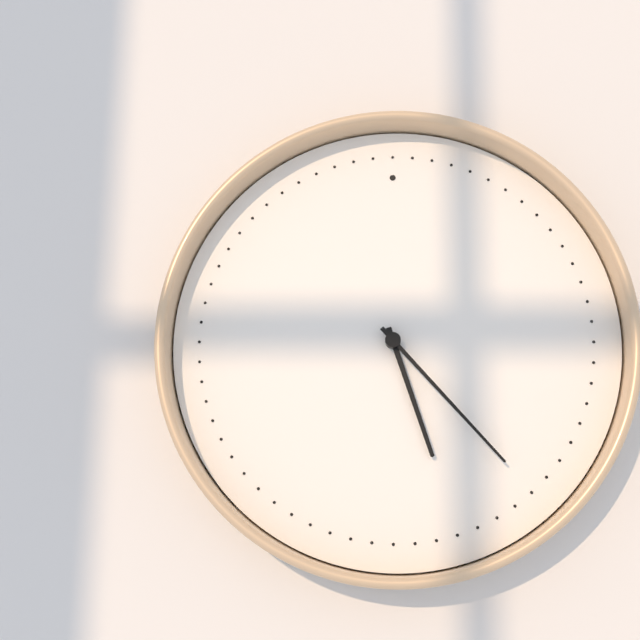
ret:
5,23
